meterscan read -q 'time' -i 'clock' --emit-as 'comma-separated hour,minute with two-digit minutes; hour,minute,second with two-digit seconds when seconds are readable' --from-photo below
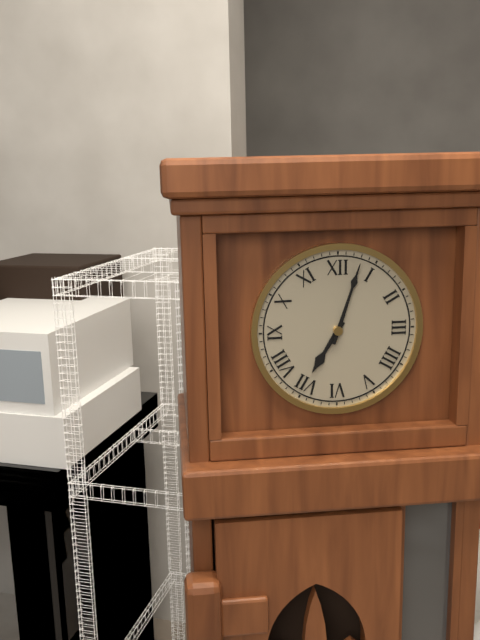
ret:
7,03
